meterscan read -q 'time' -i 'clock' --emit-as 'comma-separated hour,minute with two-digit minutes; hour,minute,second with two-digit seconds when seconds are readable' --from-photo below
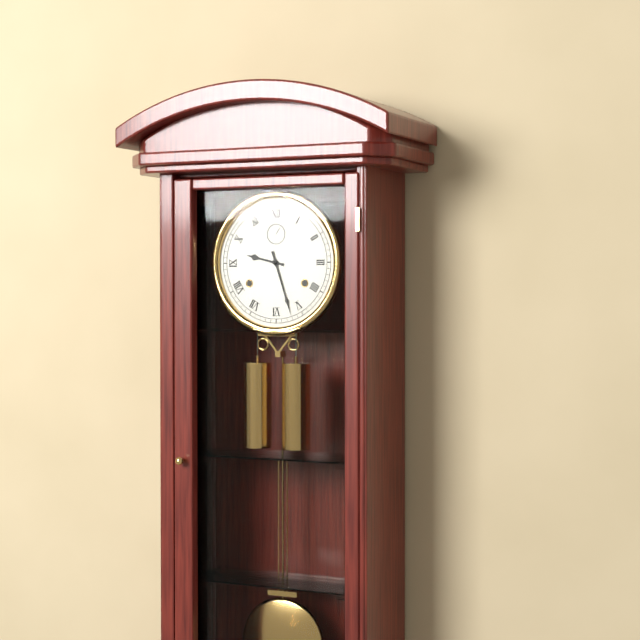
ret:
9,27
